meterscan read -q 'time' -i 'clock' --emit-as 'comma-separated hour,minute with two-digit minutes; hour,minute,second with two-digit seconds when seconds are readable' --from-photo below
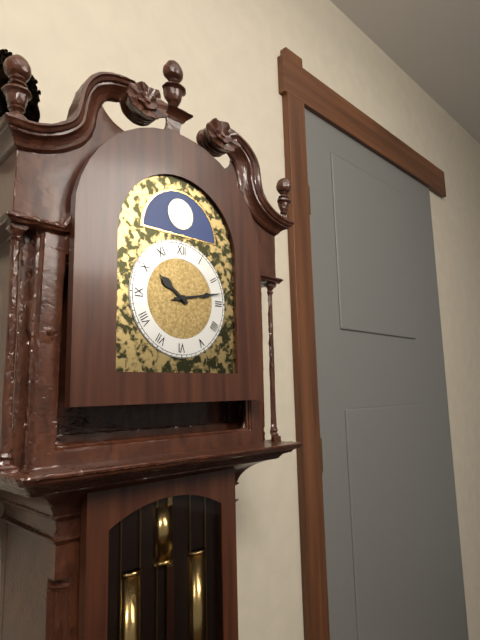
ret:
10,13
